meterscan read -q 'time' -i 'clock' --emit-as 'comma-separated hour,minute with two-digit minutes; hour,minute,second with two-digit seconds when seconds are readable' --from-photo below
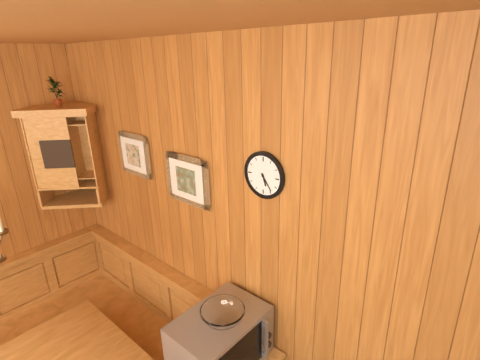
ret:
5,24
